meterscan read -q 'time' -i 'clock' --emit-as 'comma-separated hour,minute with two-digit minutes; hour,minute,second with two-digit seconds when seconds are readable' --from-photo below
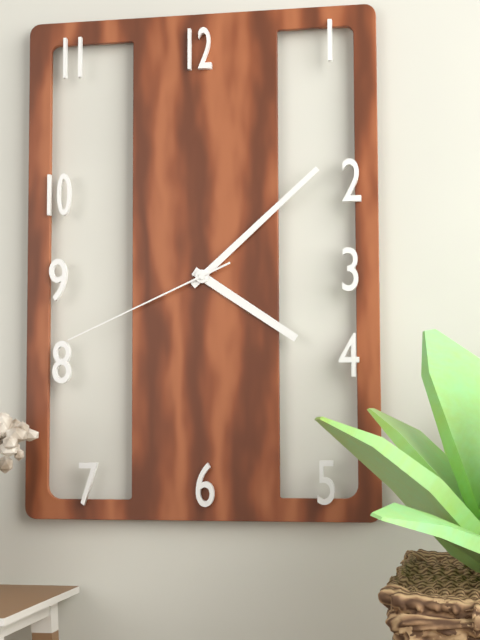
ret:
4,08,41
